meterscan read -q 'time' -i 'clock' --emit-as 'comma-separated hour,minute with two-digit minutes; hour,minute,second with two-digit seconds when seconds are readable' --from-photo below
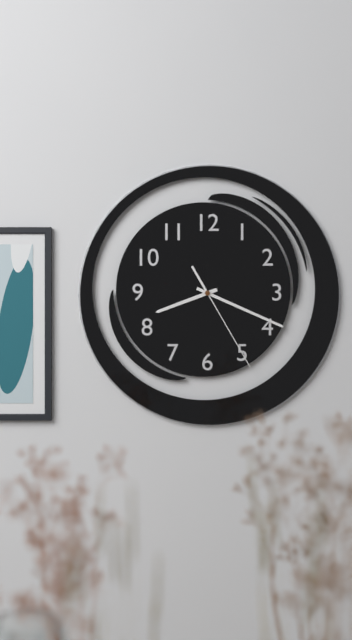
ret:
8,19,25
